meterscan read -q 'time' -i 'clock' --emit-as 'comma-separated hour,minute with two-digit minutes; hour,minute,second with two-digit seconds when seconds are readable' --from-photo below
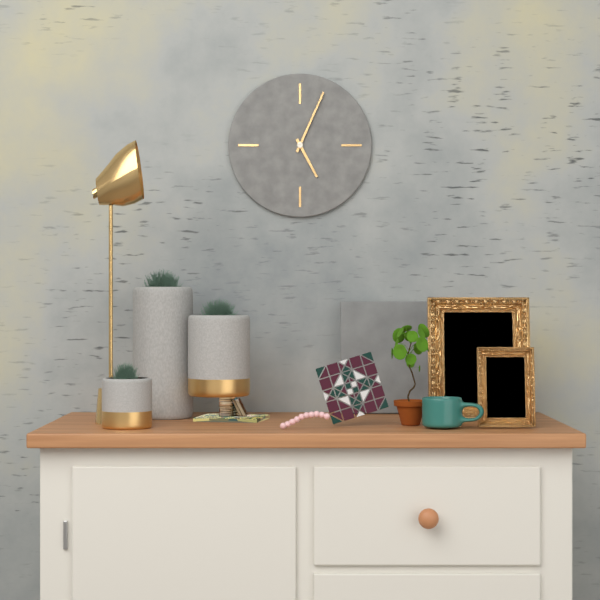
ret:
5,04
